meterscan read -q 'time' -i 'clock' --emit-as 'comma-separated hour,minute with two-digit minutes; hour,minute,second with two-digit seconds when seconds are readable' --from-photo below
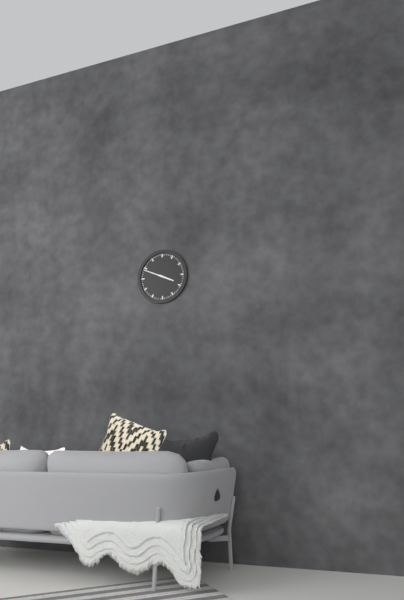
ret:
3,49
